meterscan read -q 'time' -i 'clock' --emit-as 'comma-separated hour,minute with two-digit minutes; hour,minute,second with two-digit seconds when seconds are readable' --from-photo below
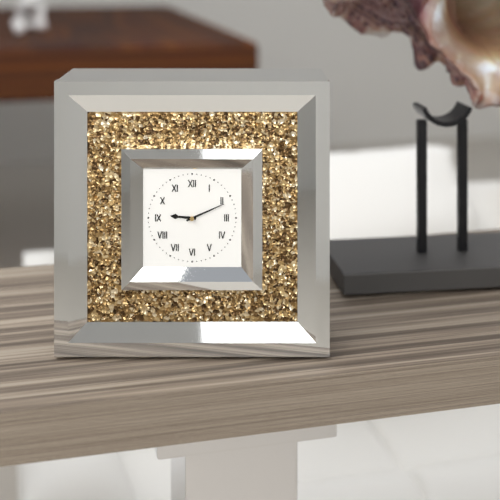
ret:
9,11
